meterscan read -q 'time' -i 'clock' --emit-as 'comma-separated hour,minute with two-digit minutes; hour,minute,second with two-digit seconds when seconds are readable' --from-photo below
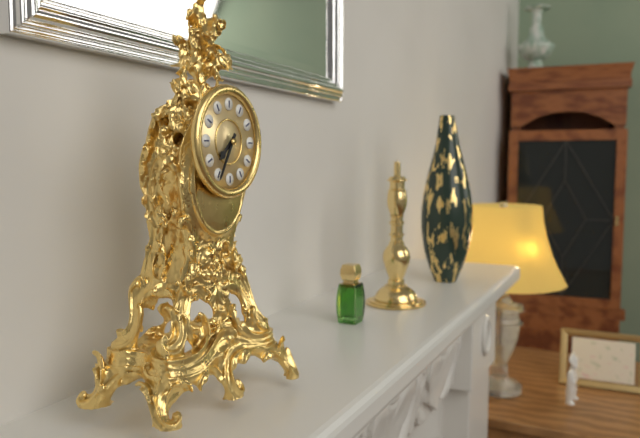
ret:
7,35
